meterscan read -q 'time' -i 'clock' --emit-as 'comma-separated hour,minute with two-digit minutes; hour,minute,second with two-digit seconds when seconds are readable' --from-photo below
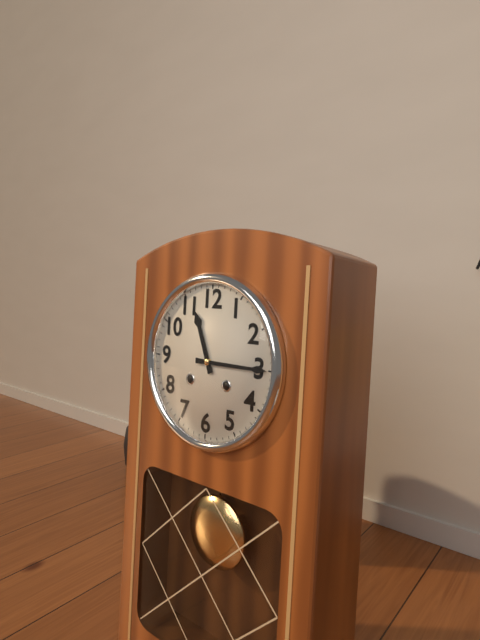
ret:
11,15
